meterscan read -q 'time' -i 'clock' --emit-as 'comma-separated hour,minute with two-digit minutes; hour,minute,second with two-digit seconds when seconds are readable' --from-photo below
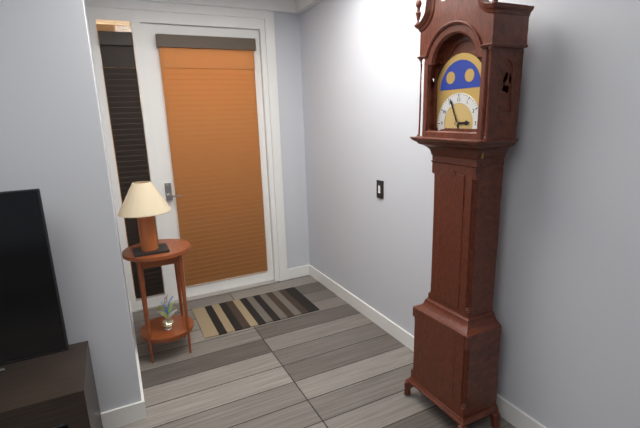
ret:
2,56
